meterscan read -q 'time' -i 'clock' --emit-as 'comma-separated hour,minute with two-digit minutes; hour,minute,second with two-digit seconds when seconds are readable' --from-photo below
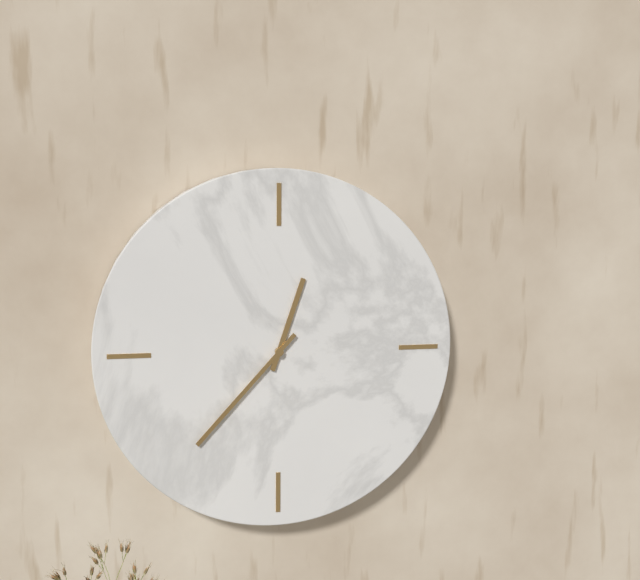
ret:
12,37
